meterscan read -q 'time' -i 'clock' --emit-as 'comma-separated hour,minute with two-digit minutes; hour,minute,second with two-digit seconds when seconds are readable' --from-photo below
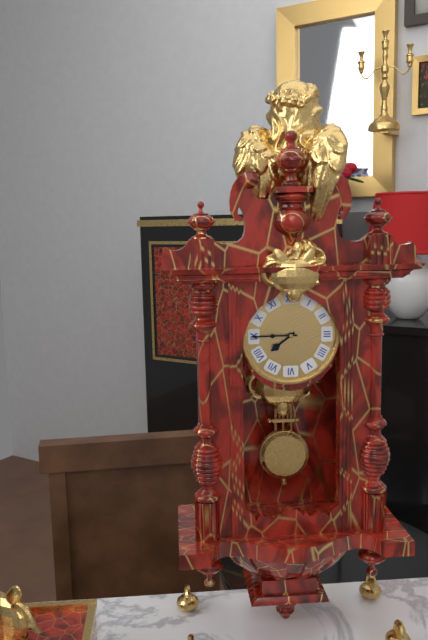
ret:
7,45
